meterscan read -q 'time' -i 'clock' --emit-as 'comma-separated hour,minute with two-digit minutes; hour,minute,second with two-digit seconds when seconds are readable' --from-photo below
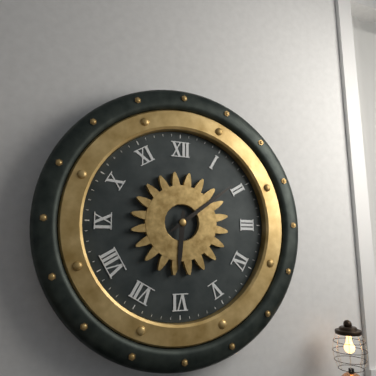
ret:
6,09
